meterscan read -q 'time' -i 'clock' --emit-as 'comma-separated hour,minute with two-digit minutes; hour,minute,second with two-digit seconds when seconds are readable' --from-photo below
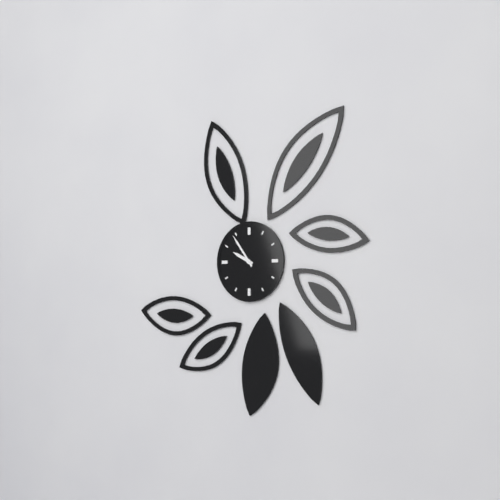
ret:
9,54
